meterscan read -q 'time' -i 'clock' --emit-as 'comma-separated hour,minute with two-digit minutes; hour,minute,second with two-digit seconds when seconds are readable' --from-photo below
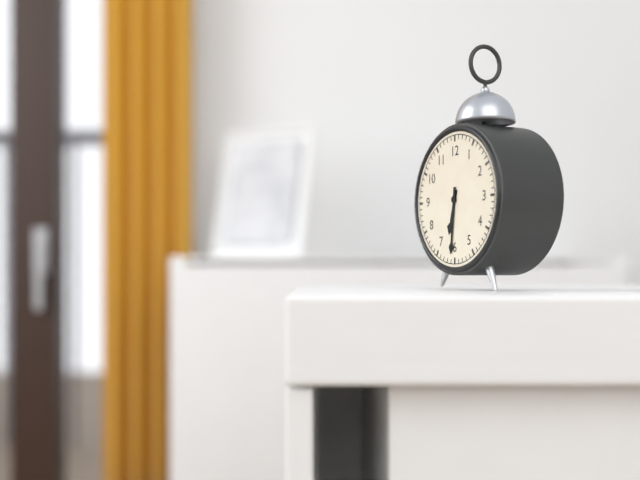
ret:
6,31
